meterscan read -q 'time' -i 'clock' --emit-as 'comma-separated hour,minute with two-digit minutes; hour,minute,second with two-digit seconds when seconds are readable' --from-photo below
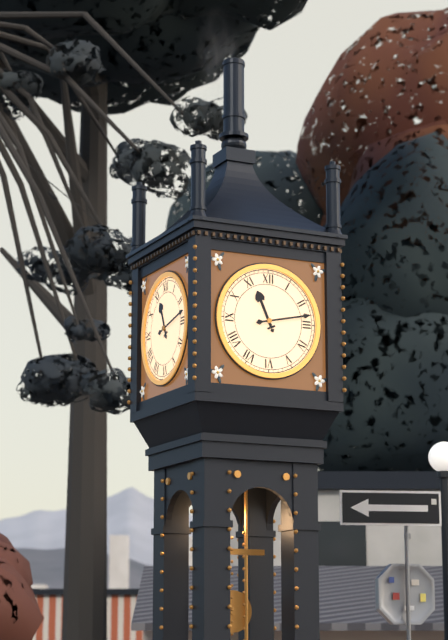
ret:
11,13
